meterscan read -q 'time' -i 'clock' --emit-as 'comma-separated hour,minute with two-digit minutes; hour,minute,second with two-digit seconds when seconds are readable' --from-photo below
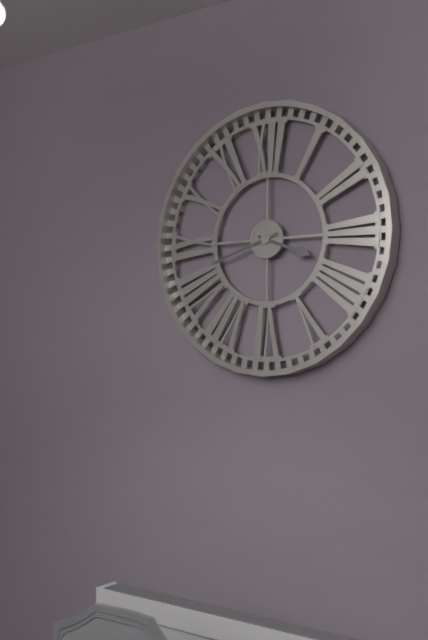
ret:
3,42
